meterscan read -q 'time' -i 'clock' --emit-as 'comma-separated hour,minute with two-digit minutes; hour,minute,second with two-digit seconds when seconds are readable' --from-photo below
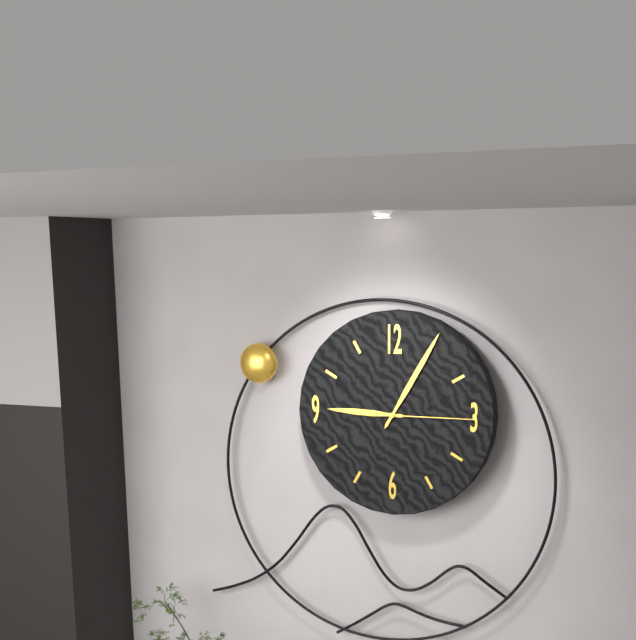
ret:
9,05,15
